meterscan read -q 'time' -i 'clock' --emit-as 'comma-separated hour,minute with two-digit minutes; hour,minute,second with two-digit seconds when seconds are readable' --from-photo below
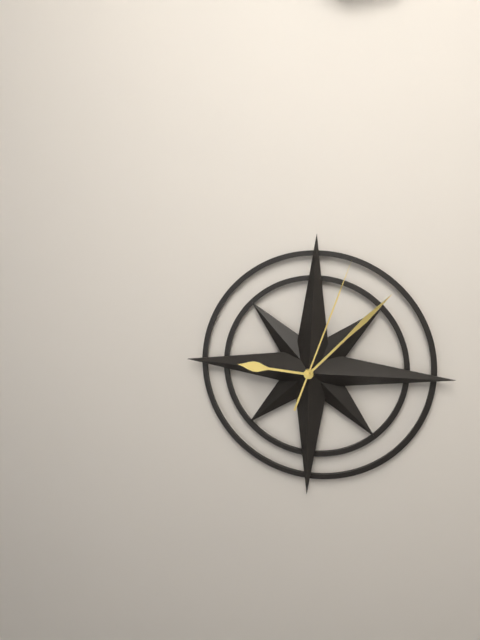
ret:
9,07,03
